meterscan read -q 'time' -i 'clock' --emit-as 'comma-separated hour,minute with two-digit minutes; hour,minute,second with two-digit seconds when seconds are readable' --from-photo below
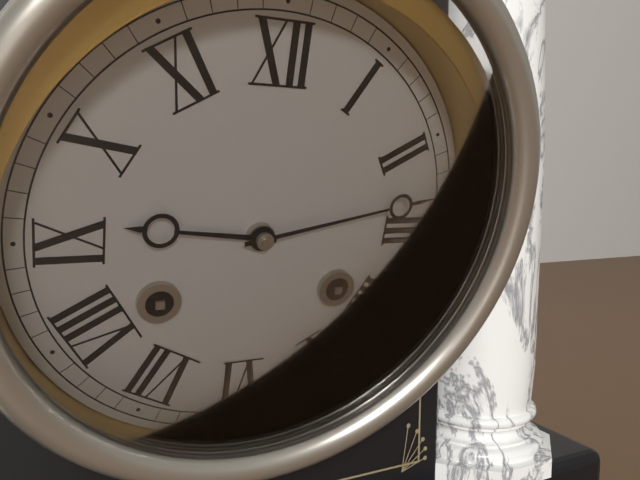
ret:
9,13
